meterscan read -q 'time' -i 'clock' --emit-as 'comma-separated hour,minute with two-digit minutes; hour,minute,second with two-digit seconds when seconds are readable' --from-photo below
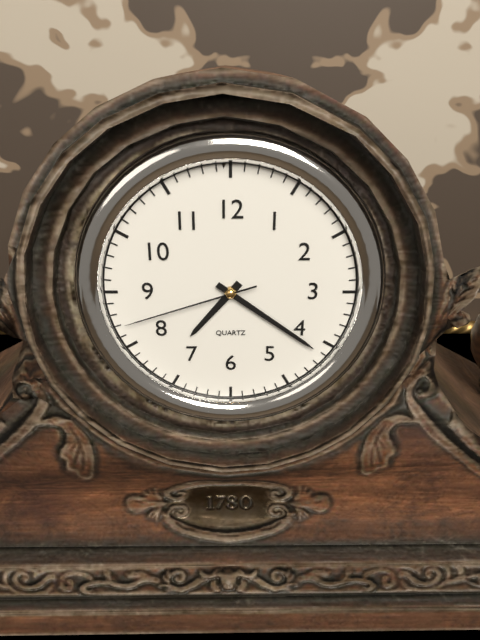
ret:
7,21,42
